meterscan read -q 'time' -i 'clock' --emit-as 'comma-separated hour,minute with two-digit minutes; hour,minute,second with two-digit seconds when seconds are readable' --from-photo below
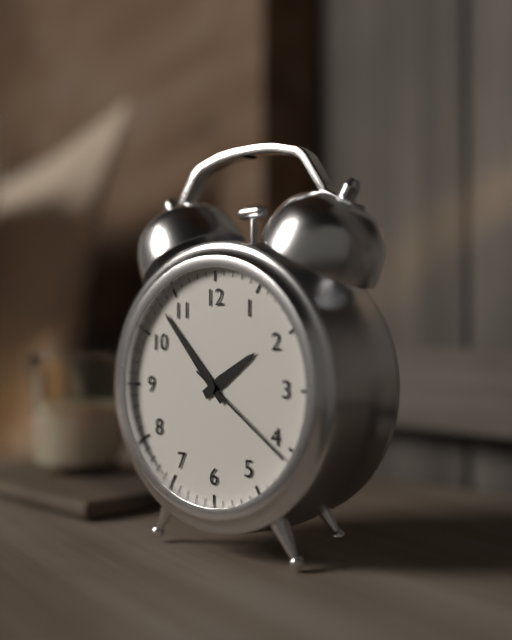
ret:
1,53,21
